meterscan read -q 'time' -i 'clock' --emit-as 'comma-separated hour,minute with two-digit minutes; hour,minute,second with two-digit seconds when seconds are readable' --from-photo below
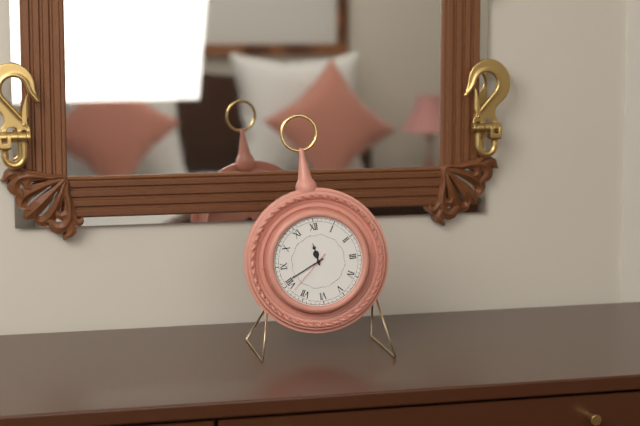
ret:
11,41
